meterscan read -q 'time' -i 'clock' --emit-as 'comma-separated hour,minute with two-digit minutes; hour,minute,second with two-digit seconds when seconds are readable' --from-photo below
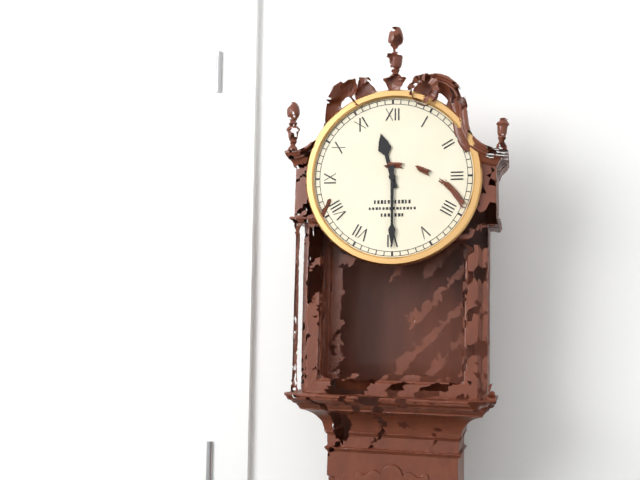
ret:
11,30
